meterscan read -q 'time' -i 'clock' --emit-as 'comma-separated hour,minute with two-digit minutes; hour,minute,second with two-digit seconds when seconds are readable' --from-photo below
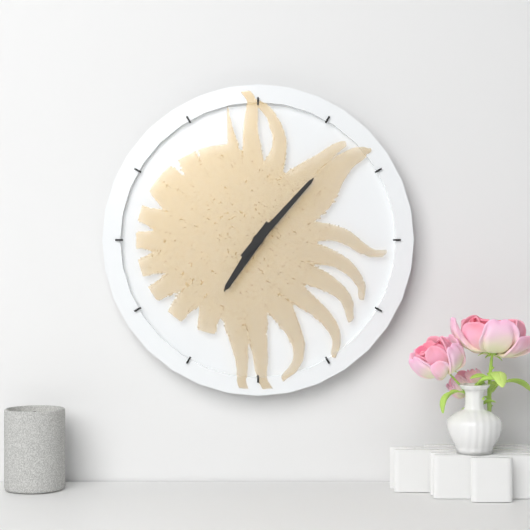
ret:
7,07
